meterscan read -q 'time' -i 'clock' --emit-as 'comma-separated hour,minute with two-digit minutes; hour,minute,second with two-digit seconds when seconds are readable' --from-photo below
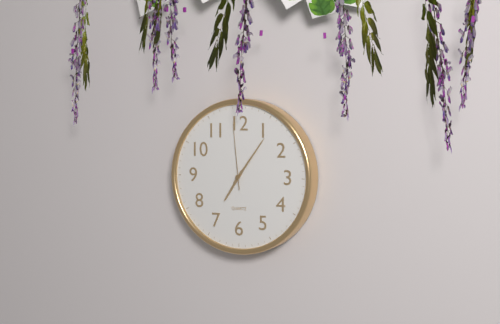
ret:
7,06,59
